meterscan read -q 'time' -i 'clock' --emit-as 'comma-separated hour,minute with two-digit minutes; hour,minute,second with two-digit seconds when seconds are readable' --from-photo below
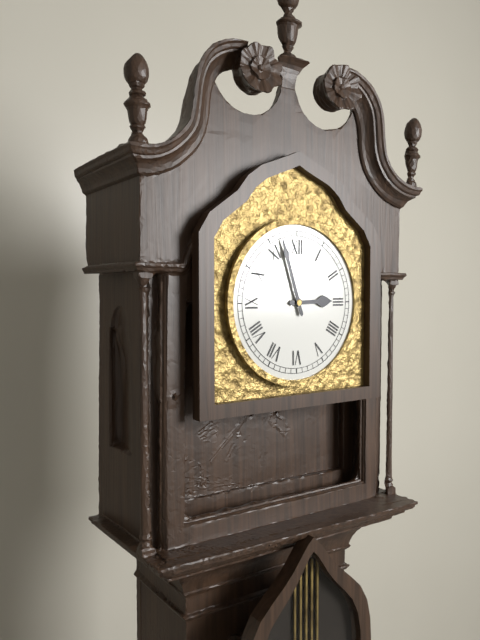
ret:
2,57
